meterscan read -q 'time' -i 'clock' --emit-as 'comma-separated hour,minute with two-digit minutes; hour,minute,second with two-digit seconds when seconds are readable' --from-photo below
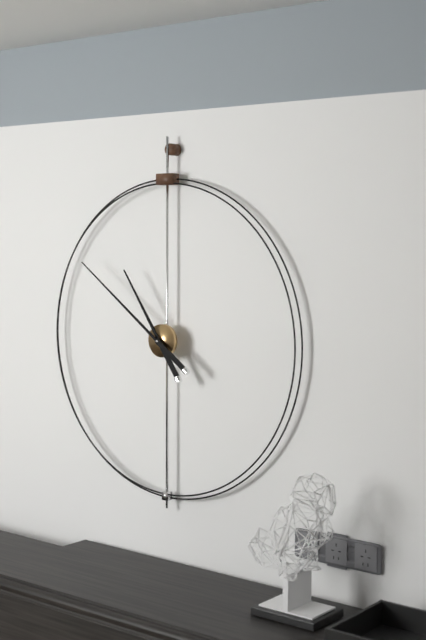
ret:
10,51
